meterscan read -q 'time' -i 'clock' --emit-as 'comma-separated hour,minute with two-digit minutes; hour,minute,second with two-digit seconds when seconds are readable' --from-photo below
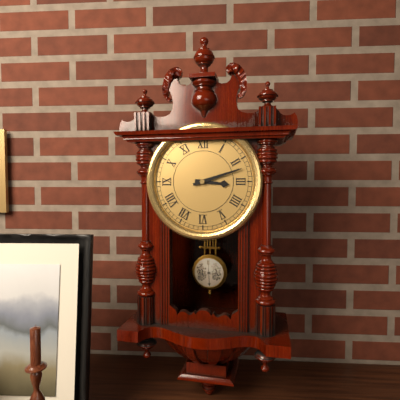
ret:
3,12
